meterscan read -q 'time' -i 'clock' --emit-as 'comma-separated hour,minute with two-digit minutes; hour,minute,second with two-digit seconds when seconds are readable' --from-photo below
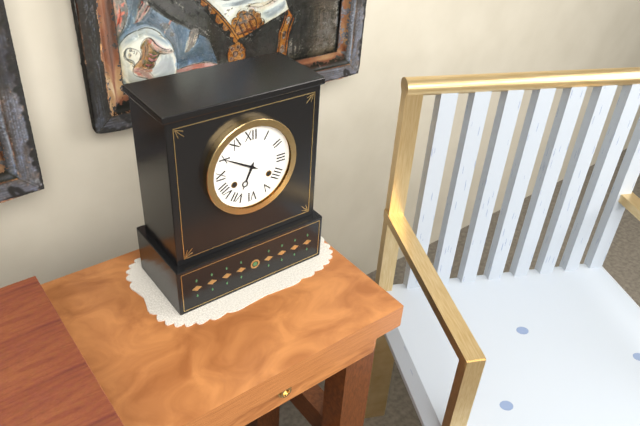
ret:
6,50
